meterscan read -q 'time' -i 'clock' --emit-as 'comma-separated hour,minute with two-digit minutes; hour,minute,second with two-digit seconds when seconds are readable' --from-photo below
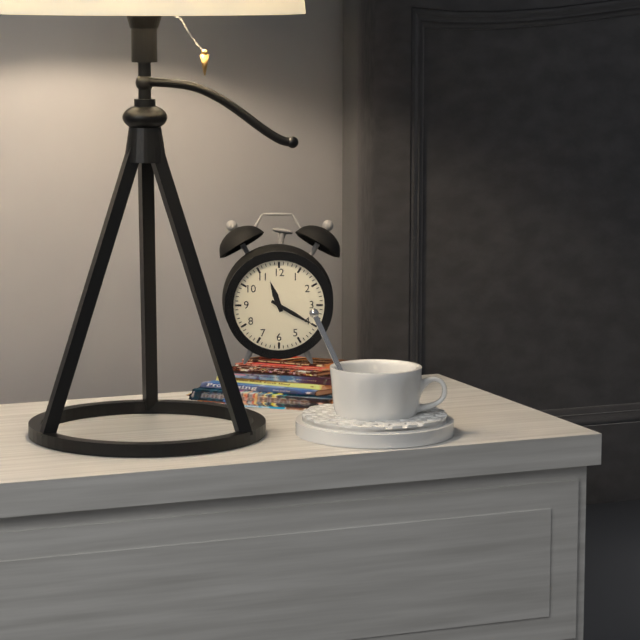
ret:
11,20
